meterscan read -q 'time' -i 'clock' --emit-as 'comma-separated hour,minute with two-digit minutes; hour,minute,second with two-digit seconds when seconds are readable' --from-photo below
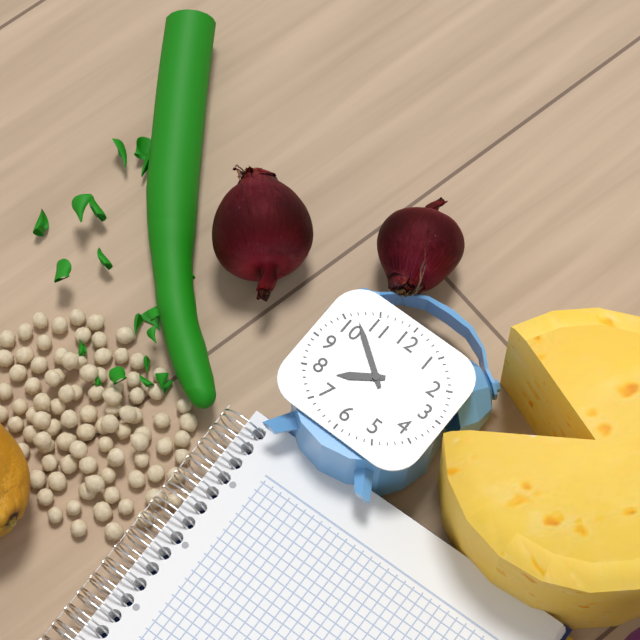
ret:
7,51
